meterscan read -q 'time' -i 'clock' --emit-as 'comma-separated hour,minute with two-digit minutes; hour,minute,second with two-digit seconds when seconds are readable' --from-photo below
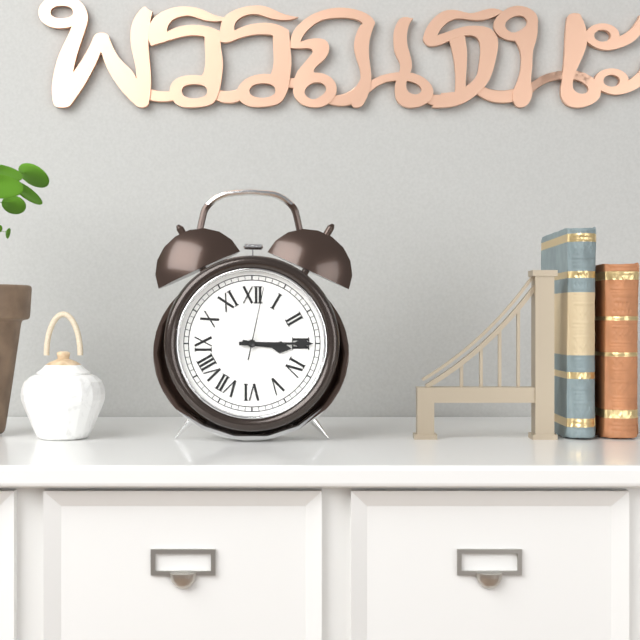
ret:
3,15,02
